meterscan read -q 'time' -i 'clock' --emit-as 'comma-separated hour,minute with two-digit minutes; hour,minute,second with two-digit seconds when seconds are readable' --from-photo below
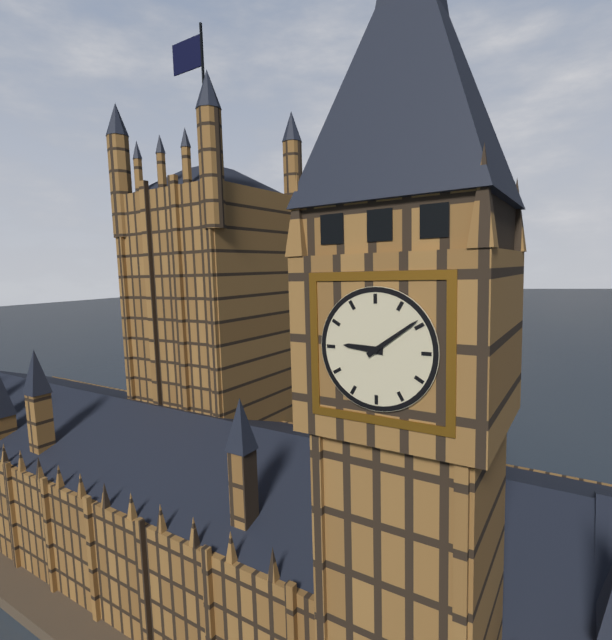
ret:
9,09
